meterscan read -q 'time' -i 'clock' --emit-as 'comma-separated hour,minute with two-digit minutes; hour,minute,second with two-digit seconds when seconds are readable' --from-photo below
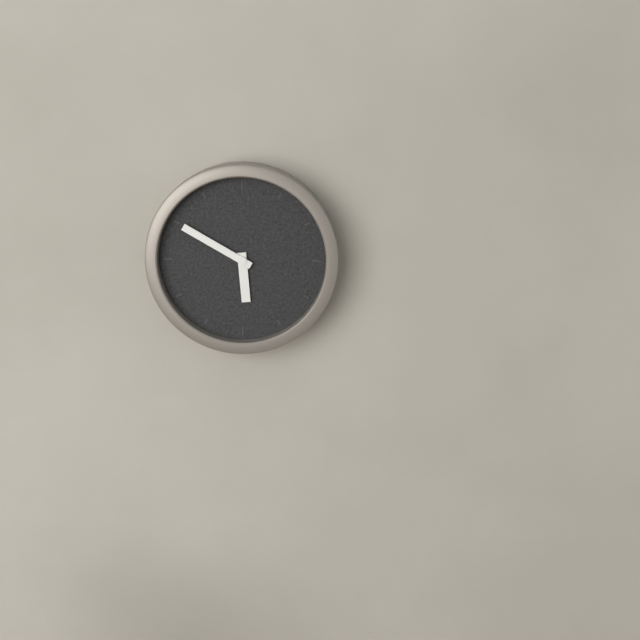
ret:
5,50
